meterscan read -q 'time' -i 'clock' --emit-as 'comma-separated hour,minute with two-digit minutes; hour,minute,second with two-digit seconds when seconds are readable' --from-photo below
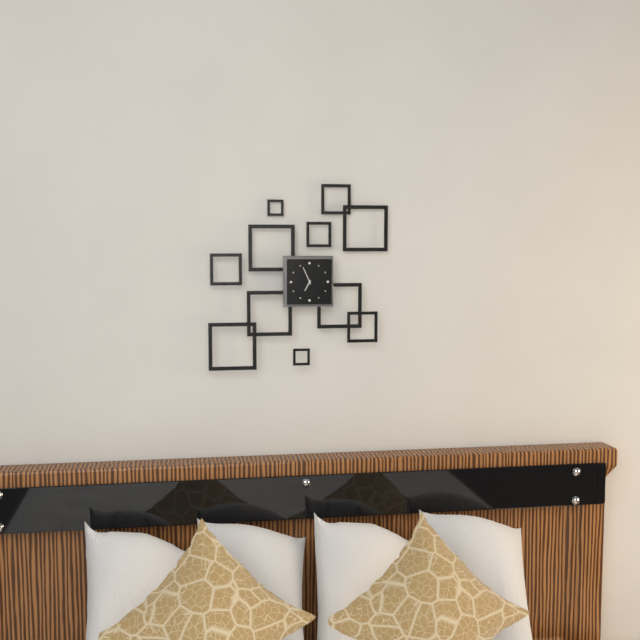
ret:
6,56
